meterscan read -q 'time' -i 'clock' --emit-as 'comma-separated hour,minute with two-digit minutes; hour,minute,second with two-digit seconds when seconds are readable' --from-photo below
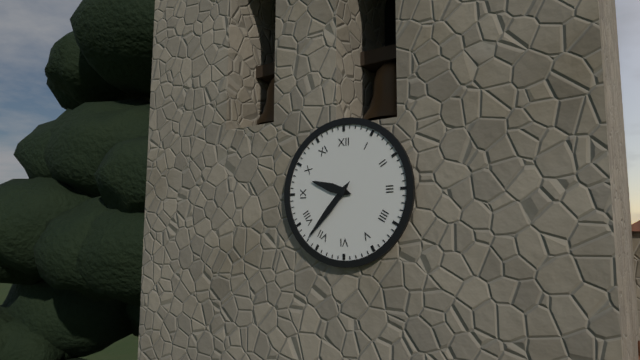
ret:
9,37
